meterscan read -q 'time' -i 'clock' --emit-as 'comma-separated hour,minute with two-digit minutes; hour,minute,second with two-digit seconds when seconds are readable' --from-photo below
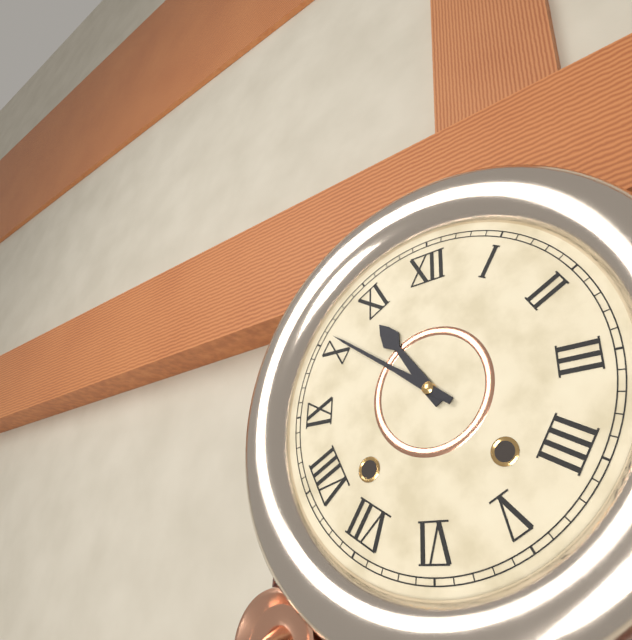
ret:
10,51
